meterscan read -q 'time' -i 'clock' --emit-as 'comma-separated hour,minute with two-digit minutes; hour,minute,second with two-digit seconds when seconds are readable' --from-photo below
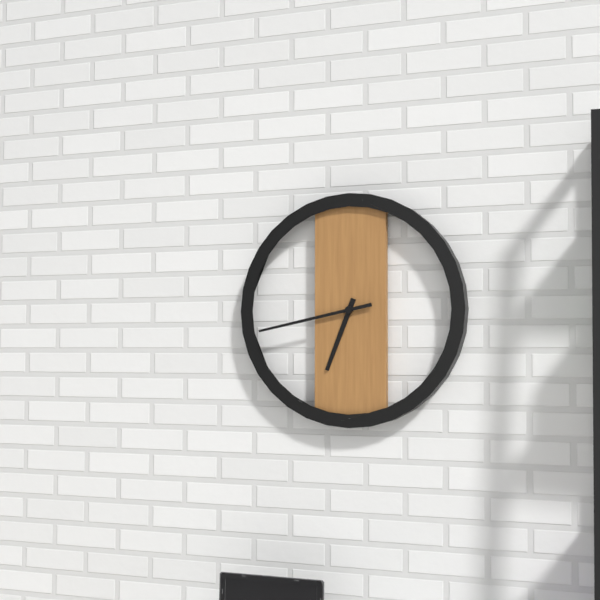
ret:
6,43
